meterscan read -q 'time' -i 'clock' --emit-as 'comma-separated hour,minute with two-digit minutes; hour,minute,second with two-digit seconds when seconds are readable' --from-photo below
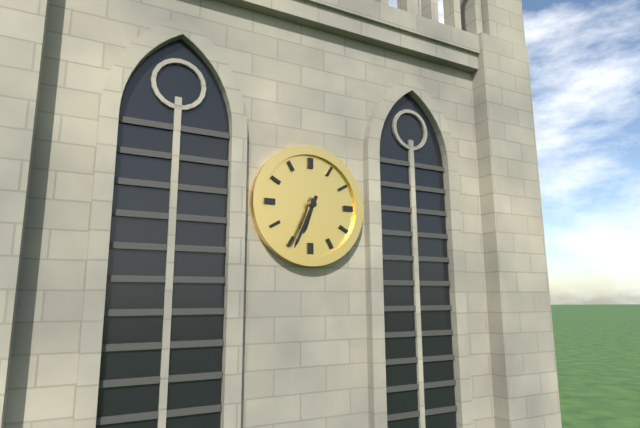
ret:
6,34
